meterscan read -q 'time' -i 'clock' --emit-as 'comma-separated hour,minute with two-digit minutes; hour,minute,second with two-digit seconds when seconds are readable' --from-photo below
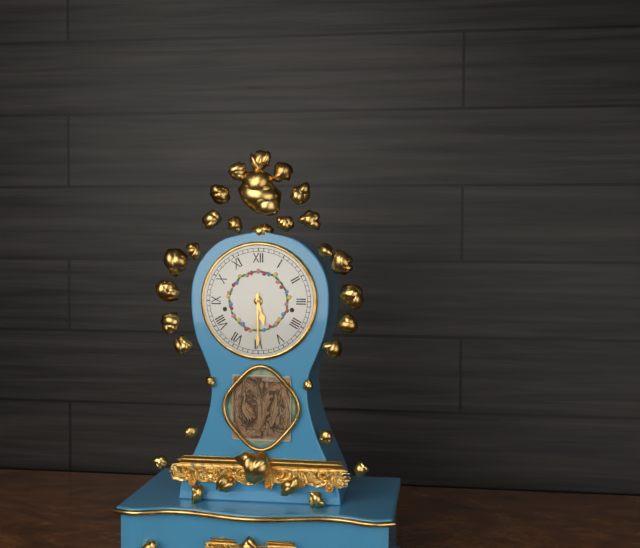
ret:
5,30
